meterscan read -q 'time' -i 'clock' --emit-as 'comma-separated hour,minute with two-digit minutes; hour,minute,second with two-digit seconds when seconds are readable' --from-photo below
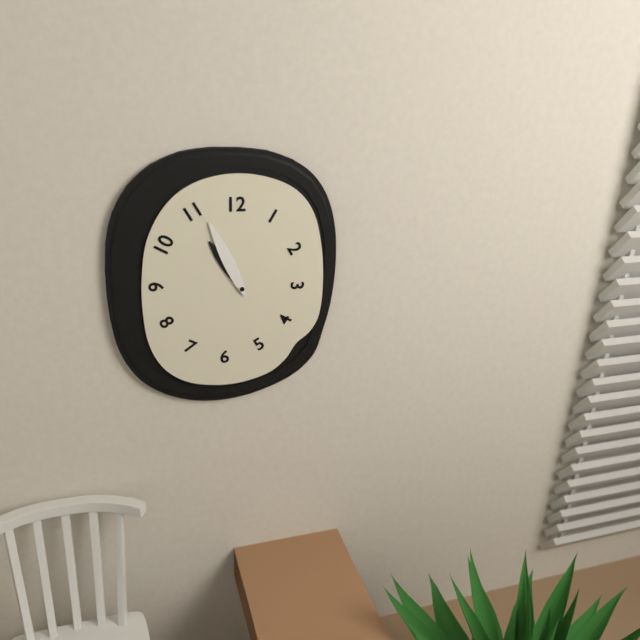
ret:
10,56
